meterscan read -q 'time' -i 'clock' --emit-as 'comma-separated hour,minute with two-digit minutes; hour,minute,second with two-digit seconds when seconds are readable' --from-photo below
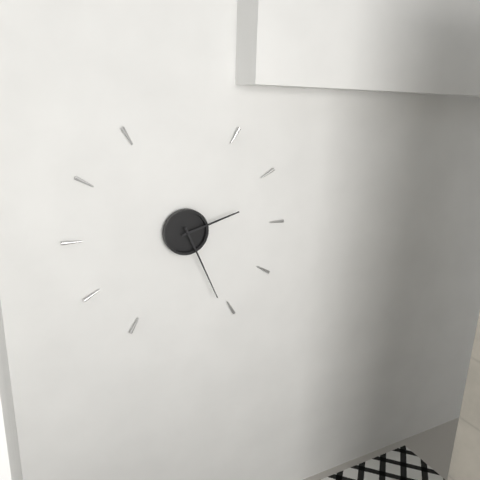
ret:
2,26
